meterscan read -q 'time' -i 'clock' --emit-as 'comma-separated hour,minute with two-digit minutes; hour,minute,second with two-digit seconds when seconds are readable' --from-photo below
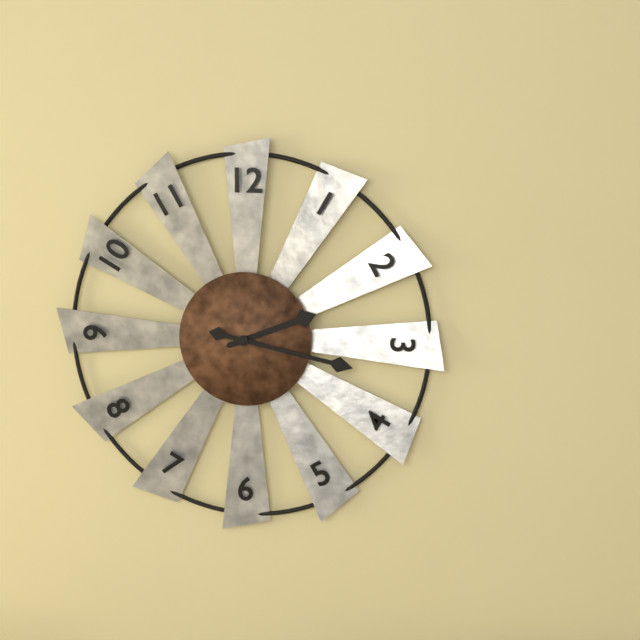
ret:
2,17
